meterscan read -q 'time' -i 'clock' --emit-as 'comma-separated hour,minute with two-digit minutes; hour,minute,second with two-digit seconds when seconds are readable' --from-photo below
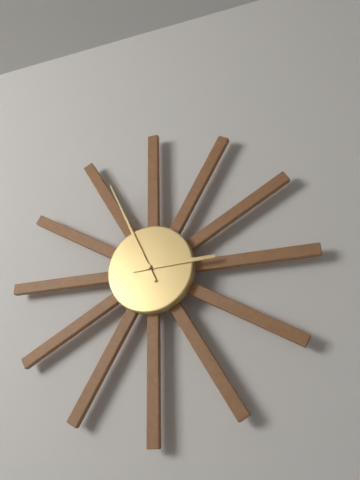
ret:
2,56
